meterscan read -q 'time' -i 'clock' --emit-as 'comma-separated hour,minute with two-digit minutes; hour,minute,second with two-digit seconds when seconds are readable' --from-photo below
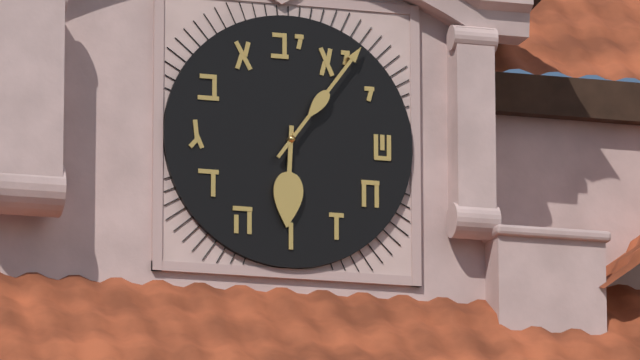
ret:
6,06
